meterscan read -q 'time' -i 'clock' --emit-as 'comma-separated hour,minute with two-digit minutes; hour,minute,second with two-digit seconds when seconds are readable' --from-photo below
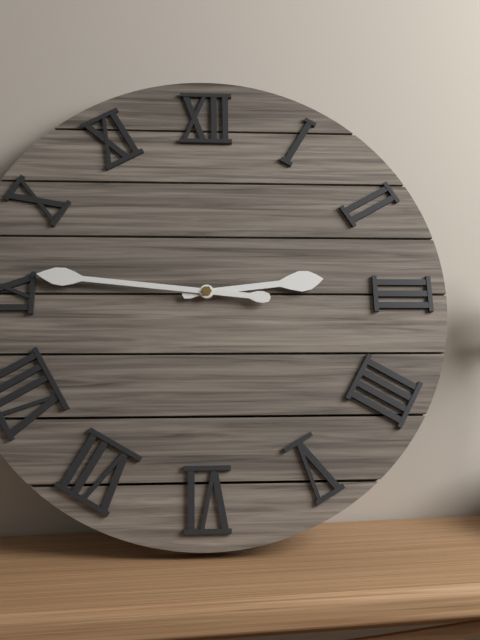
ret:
2,46
